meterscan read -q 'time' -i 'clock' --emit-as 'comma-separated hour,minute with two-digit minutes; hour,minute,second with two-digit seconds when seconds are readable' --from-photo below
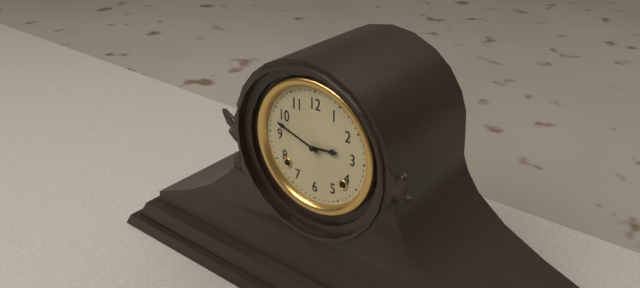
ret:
2,48
